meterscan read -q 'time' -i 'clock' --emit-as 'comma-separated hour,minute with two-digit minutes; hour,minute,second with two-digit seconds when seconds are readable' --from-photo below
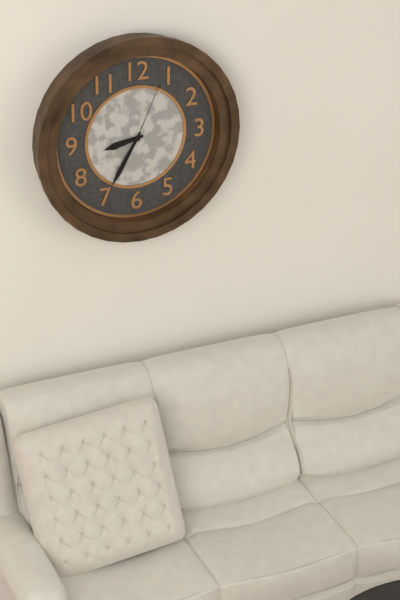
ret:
8,35,04
